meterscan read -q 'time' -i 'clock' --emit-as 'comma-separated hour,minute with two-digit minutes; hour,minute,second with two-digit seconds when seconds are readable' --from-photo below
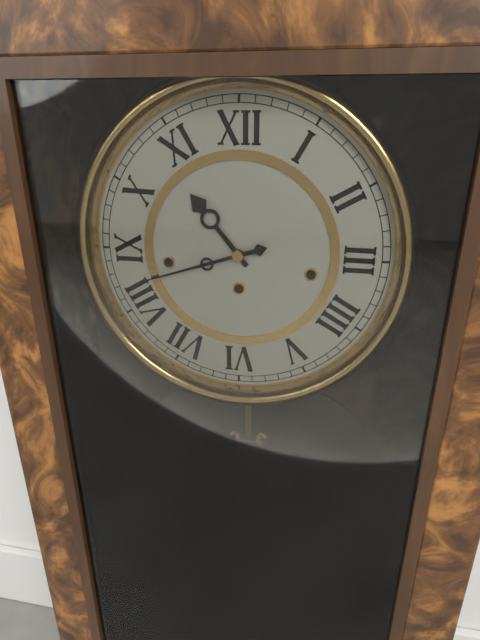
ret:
10,42
